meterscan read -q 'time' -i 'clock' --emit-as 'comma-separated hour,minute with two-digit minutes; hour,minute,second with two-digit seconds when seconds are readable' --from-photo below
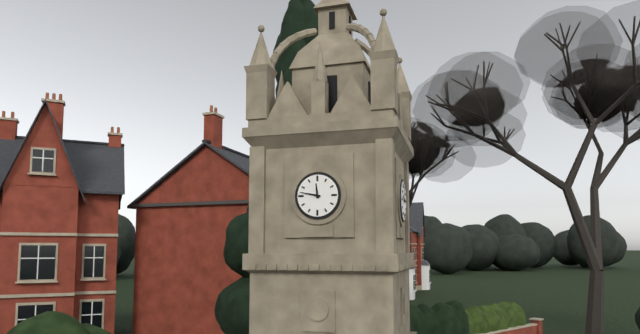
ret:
11,47
